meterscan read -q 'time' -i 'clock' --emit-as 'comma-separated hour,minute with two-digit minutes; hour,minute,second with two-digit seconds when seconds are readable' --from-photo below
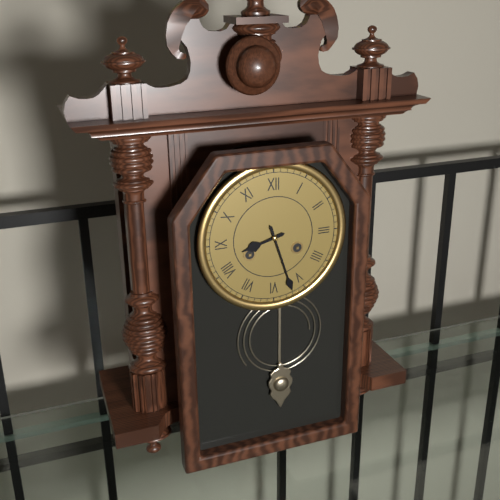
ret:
8,27
